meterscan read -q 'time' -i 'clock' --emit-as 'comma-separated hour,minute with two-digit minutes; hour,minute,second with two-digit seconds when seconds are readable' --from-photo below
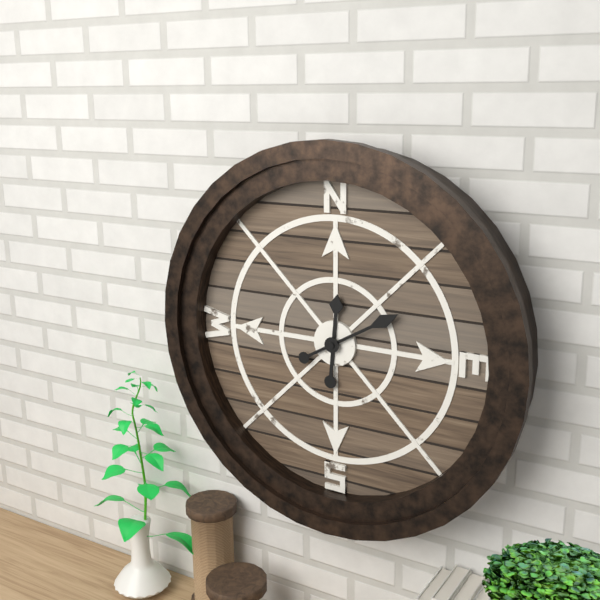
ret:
12,10
